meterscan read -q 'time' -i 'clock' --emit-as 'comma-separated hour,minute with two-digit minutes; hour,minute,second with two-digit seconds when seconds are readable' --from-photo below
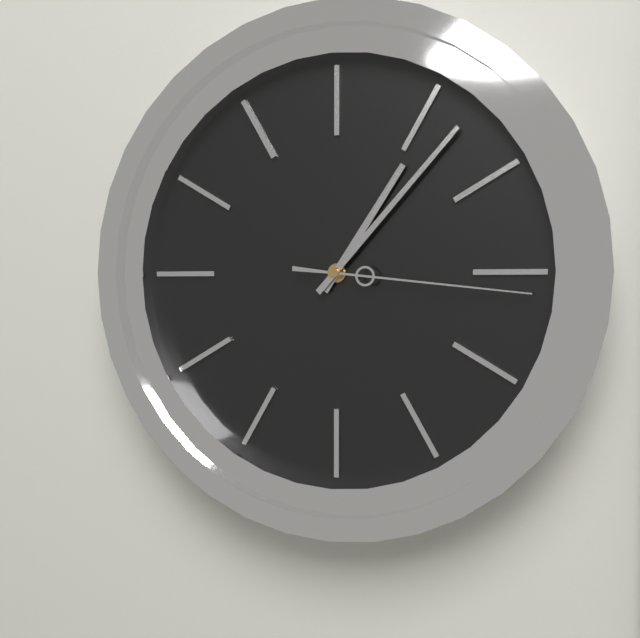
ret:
1,07,16
